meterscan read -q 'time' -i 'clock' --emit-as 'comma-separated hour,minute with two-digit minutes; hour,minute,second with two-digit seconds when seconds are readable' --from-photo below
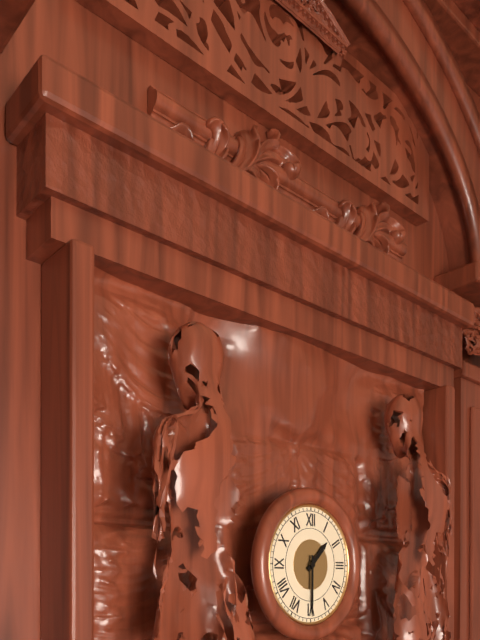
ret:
1,30
